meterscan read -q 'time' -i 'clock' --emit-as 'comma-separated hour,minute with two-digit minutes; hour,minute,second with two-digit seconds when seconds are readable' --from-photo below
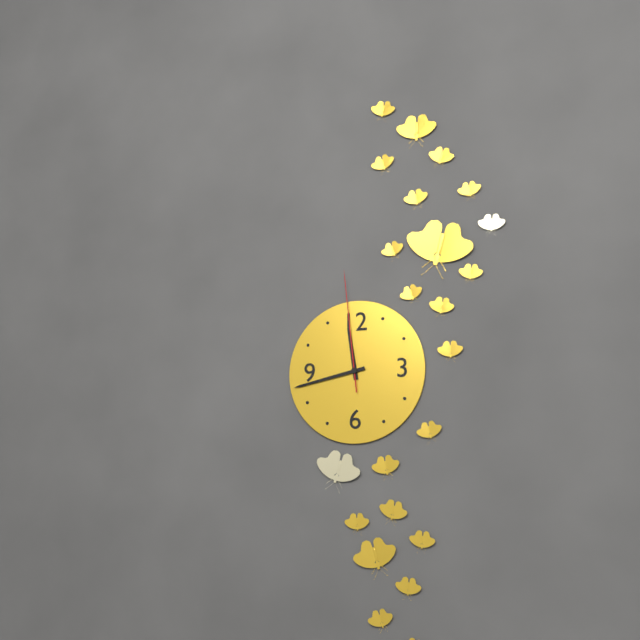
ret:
11,43,59
